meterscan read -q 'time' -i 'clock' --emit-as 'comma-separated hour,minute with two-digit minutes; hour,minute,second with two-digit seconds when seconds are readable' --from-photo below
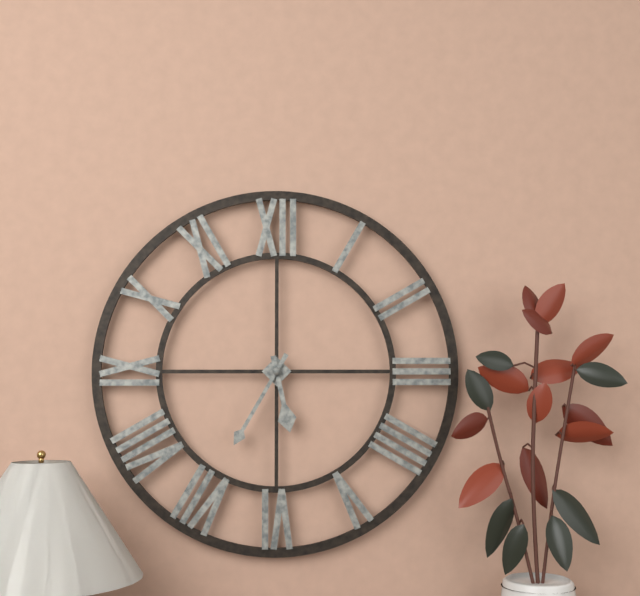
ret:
5,35
